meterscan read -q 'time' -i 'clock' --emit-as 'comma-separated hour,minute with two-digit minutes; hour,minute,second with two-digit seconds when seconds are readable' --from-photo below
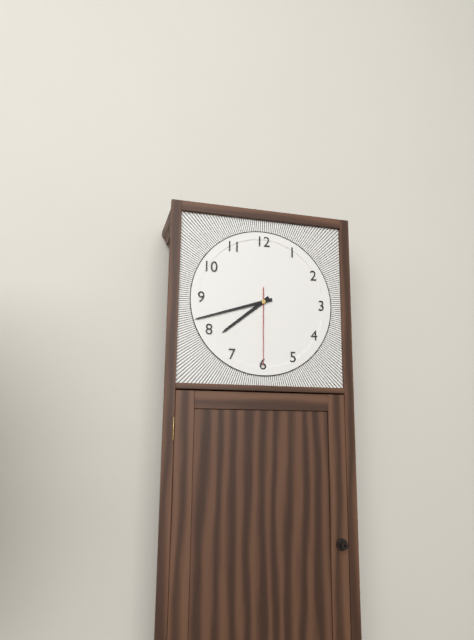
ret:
7,42,30
